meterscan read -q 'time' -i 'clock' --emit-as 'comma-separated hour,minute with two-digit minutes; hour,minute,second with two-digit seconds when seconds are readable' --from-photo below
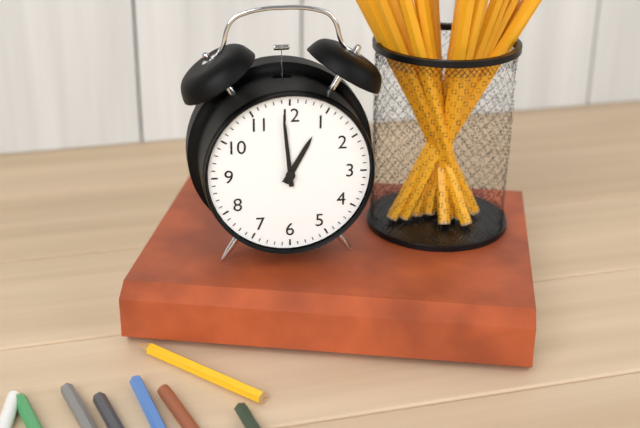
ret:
12,59
